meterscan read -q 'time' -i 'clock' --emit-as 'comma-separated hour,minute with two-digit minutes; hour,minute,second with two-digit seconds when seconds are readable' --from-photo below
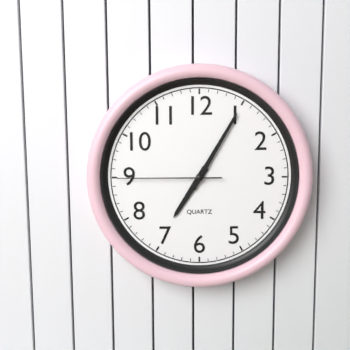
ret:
7,05,45
